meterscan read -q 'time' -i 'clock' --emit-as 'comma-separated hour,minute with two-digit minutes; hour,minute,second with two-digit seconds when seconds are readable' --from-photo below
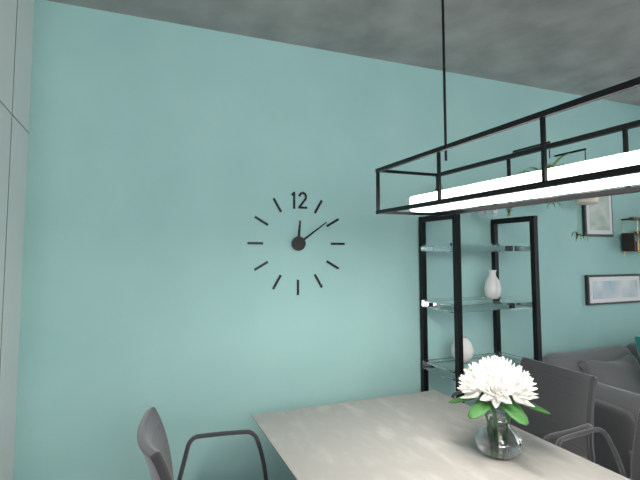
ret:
12,09
